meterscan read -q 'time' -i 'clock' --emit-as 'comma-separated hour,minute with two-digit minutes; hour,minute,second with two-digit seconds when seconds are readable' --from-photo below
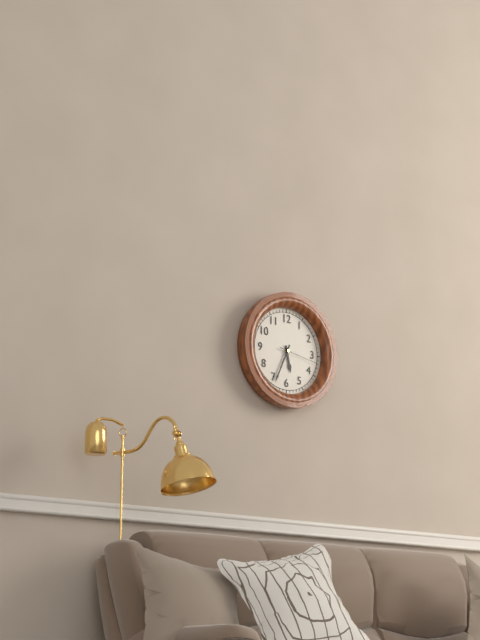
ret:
5,34
